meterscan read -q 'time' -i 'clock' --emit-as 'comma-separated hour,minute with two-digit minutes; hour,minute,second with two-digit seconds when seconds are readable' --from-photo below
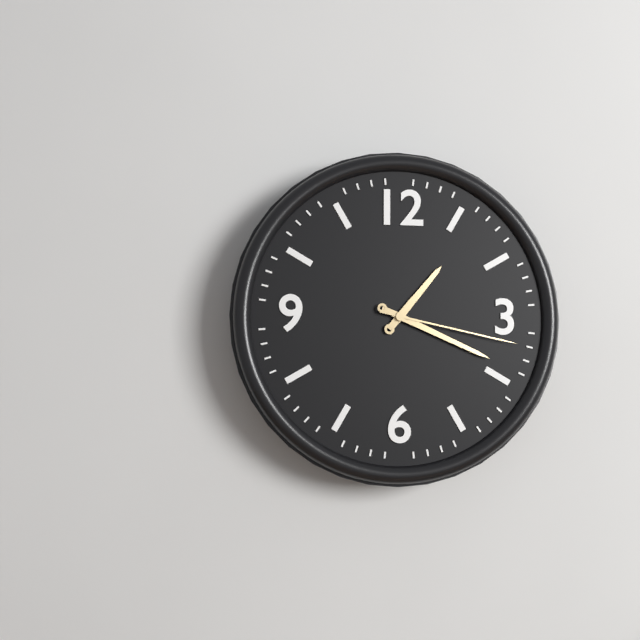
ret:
1,19,17
